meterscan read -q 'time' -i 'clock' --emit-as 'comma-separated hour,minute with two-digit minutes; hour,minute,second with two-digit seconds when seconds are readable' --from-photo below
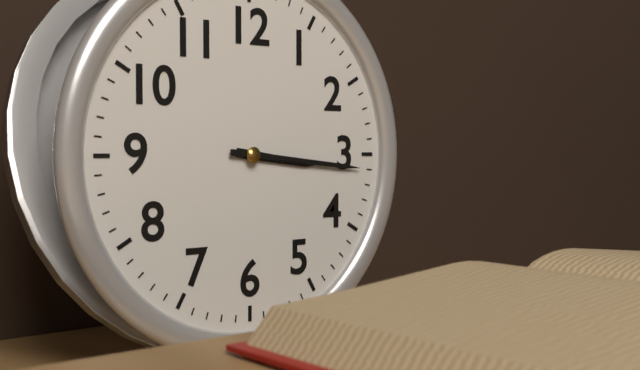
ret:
3,16
